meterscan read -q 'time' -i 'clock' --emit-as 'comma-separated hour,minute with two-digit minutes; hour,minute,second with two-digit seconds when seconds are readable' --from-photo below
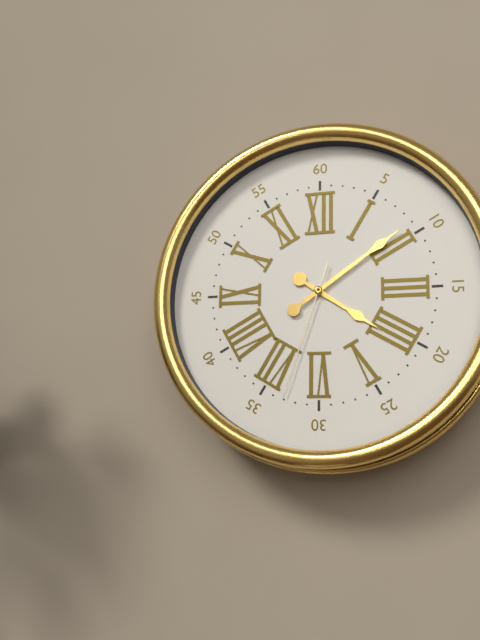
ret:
4,09,33
